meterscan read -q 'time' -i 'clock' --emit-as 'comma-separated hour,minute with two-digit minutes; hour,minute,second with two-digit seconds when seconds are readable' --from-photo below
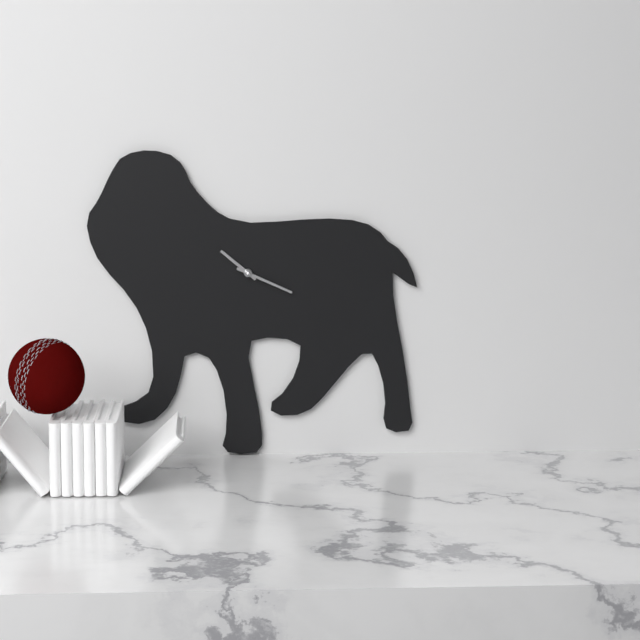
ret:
10,19
